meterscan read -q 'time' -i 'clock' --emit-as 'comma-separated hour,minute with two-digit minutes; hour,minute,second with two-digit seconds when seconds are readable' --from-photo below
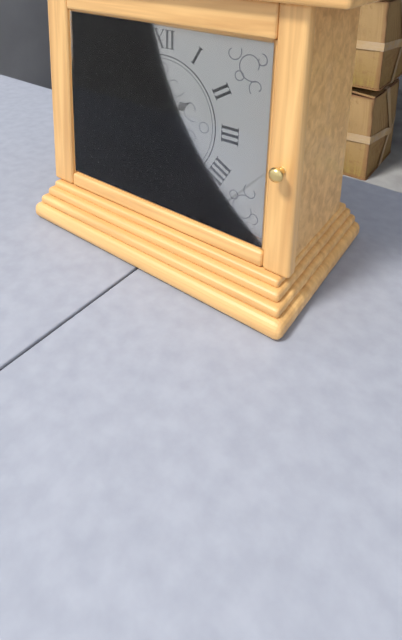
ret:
1,54,50
